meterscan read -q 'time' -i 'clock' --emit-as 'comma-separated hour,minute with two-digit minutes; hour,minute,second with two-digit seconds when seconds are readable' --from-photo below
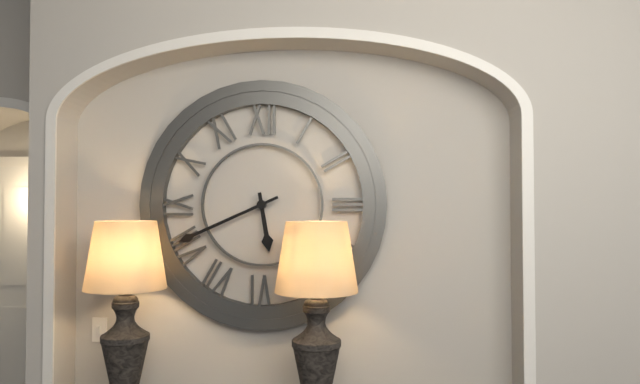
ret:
5,41
